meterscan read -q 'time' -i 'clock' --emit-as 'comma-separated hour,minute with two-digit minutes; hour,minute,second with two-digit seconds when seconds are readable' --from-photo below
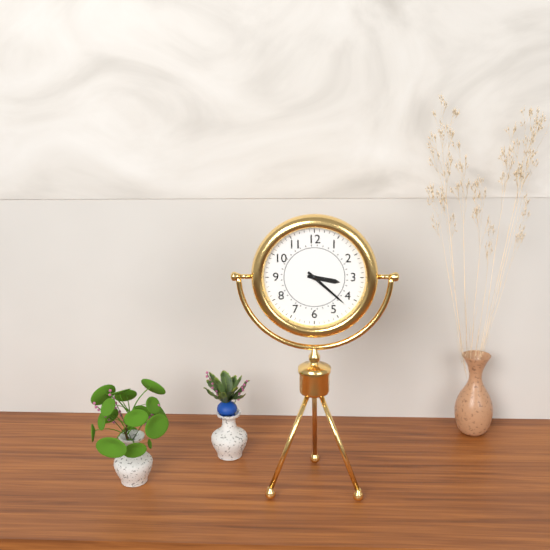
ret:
3,22
